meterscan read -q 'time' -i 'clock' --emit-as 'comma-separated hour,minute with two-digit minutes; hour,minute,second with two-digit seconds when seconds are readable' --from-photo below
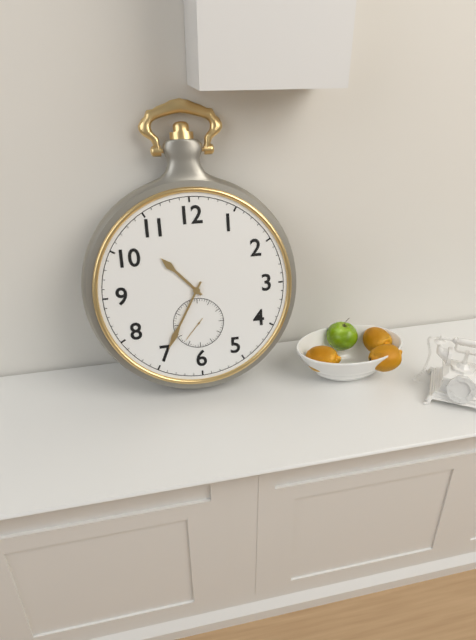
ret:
10,35
